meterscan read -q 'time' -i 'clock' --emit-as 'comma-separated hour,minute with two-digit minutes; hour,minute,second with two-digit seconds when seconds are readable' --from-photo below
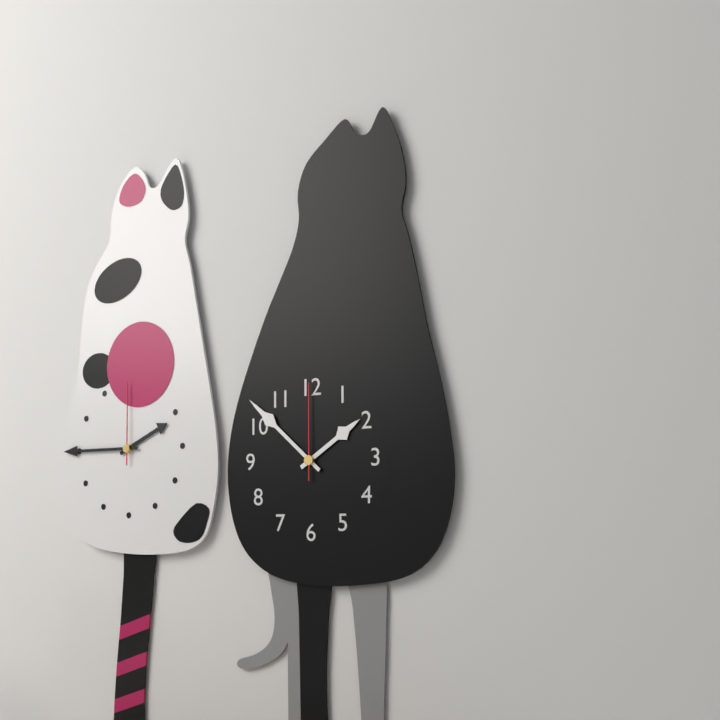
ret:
1,52,00
